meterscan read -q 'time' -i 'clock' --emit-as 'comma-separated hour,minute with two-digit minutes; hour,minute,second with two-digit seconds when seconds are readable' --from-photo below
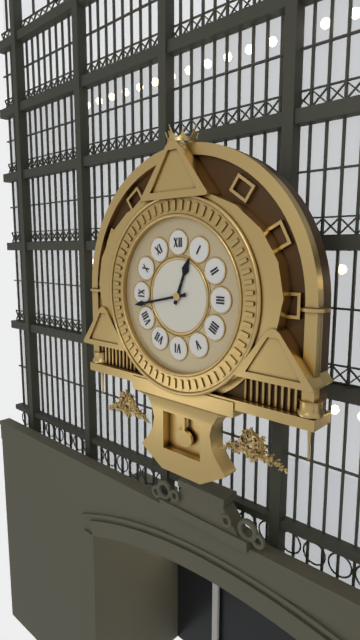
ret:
12,43
